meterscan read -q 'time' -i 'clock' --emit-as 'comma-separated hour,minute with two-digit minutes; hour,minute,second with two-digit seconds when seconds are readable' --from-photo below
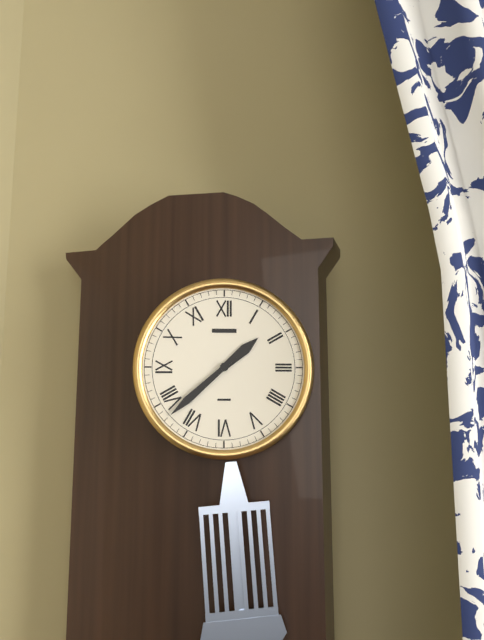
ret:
1,38
